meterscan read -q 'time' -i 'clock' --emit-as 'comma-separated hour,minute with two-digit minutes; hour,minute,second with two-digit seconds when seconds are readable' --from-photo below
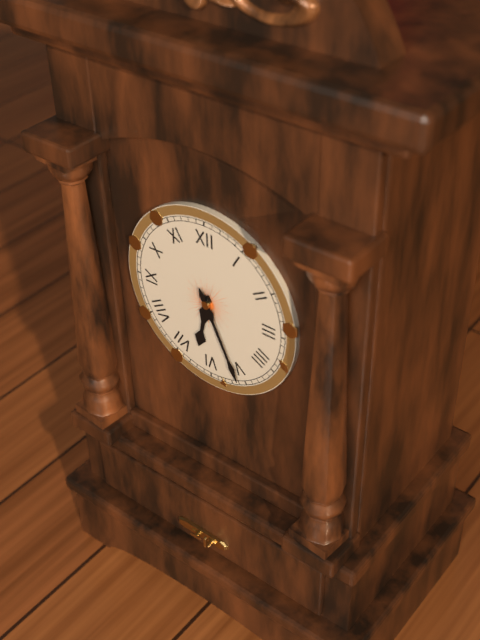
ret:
6,26
